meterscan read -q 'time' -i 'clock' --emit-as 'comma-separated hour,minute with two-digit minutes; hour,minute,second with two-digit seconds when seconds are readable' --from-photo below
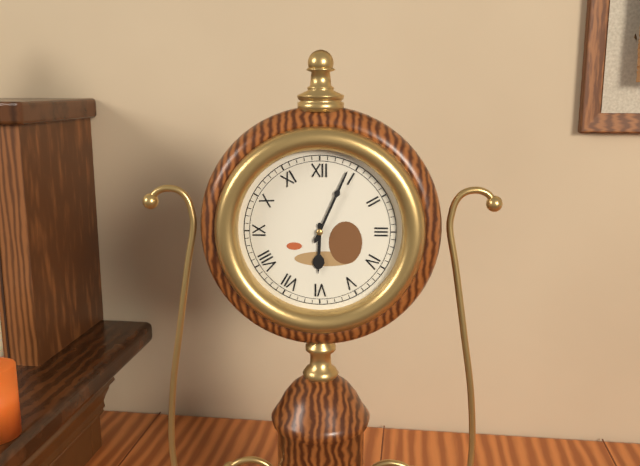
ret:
6,04
